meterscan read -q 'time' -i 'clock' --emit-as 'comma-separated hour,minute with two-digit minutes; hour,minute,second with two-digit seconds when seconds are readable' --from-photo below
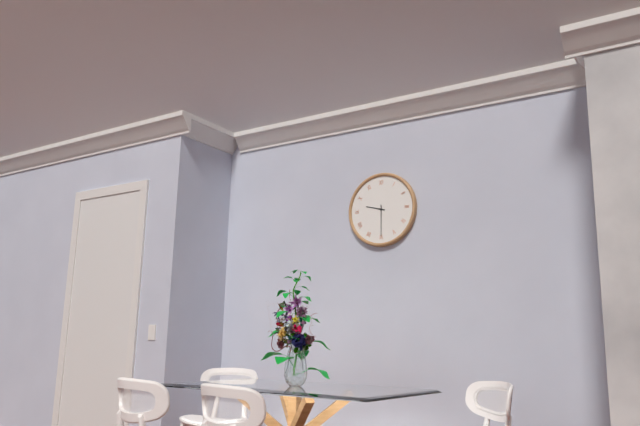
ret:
9,30
